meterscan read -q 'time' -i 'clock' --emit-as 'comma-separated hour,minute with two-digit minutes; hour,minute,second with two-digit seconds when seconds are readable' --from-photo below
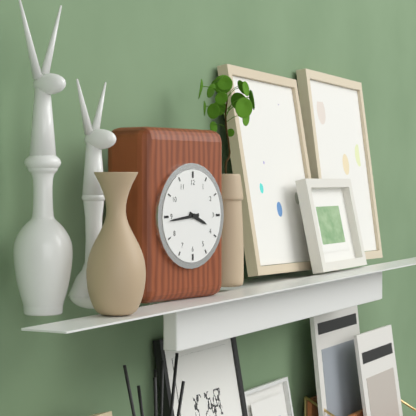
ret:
3,44
